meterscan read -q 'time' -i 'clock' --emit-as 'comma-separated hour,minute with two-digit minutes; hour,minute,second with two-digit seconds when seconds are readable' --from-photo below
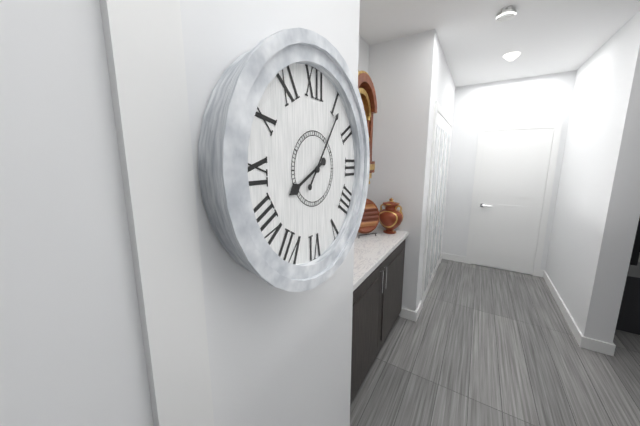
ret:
8,06
